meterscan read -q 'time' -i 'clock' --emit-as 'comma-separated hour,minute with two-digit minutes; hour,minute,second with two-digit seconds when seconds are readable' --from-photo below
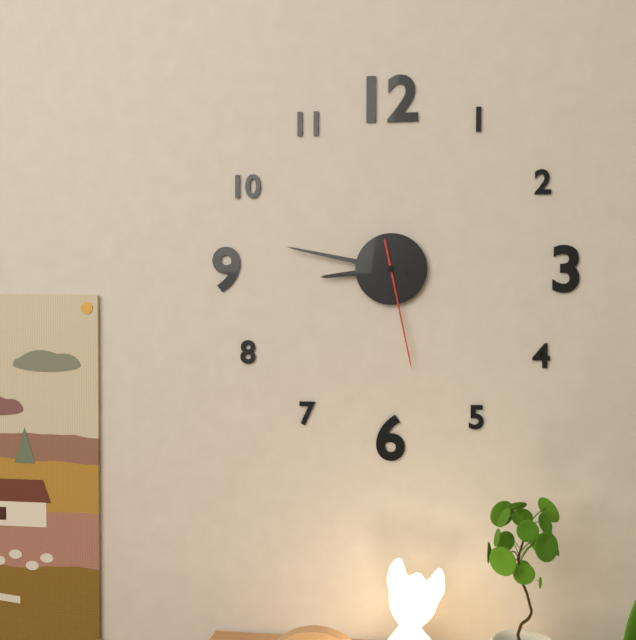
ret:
8,47,28
